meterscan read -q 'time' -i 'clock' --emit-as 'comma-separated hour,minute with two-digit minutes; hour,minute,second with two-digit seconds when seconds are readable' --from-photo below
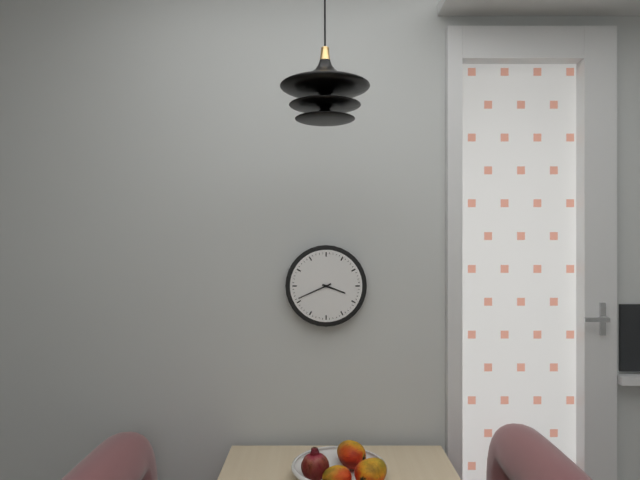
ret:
3,41
